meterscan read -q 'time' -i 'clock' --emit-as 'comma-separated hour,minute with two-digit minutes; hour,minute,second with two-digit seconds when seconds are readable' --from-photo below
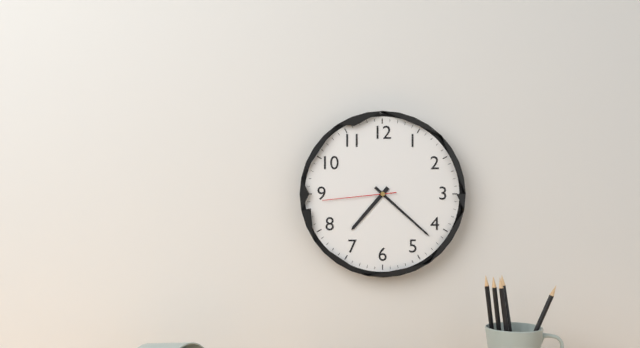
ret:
7,22,44
